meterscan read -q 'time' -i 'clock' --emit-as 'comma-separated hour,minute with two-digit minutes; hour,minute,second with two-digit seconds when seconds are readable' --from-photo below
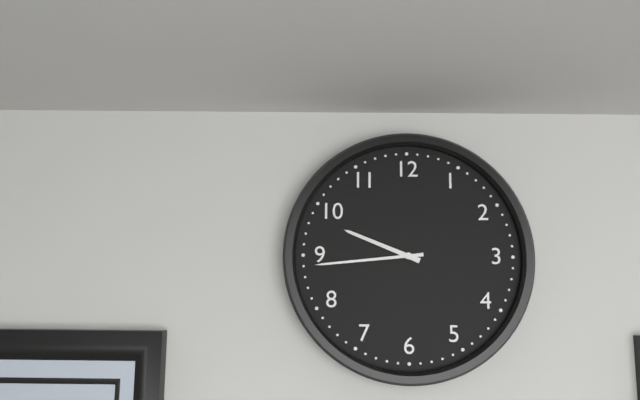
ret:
9,44
